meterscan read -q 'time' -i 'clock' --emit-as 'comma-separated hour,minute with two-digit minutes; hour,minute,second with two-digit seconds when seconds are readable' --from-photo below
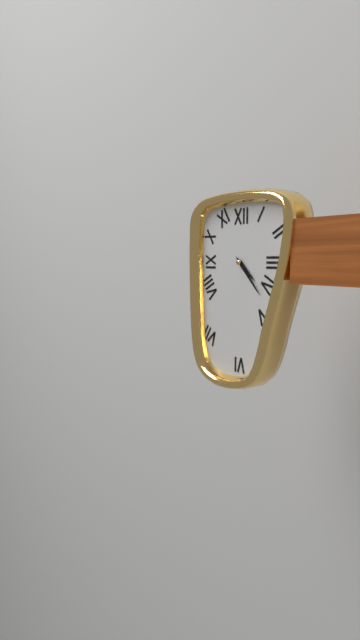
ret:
4,23
